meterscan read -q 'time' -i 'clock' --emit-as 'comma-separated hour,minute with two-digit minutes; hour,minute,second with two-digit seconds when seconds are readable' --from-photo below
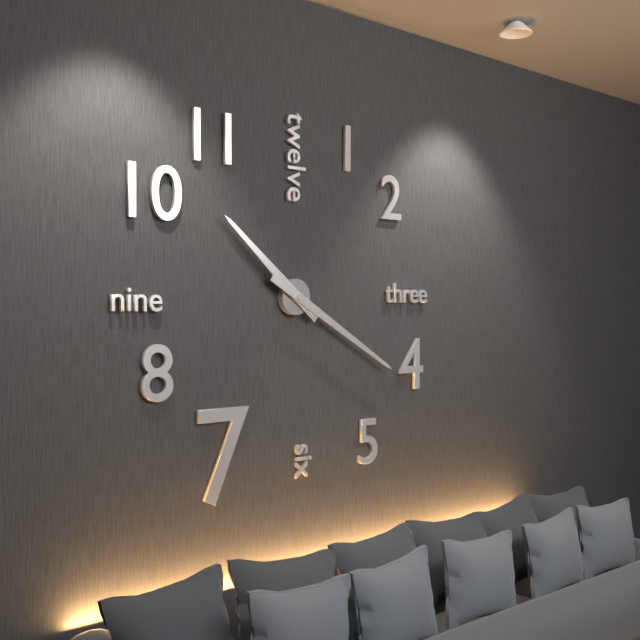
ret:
10,20
